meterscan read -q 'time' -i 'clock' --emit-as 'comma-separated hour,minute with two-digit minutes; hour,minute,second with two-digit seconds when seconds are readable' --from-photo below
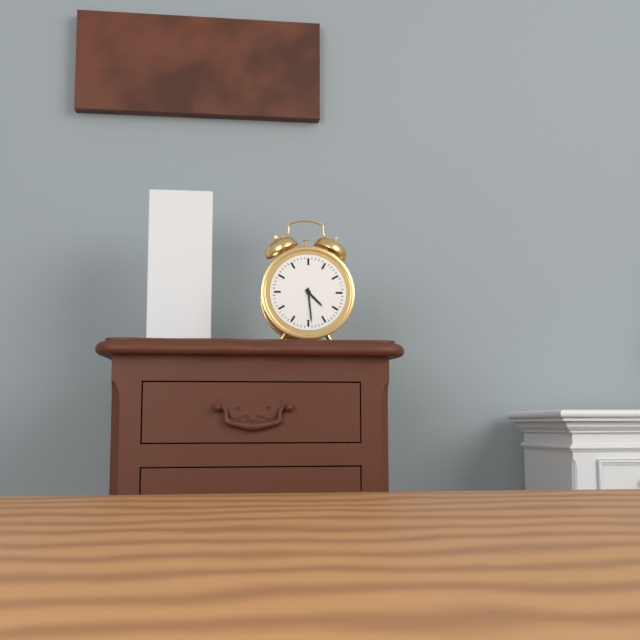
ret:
4,29
